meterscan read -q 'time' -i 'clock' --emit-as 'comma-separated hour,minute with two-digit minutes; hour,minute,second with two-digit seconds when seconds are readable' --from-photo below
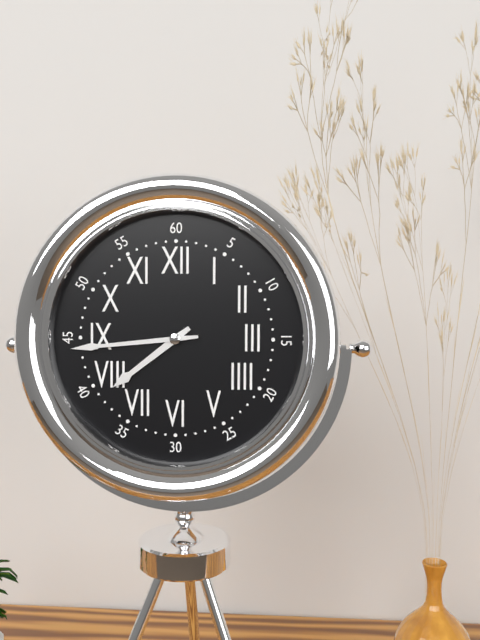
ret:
7,44
